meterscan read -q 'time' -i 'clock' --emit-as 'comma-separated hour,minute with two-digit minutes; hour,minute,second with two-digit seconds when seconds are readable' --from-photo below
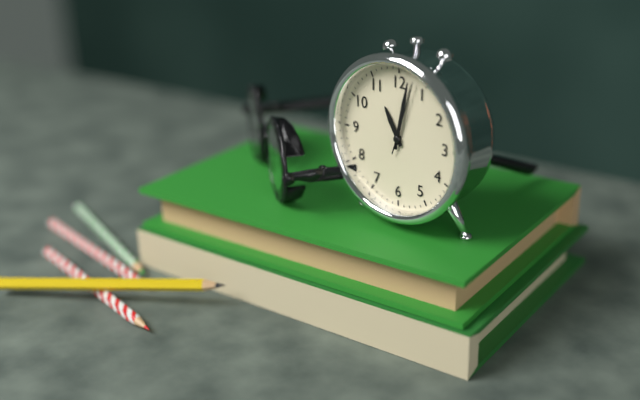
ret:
11,02,03
